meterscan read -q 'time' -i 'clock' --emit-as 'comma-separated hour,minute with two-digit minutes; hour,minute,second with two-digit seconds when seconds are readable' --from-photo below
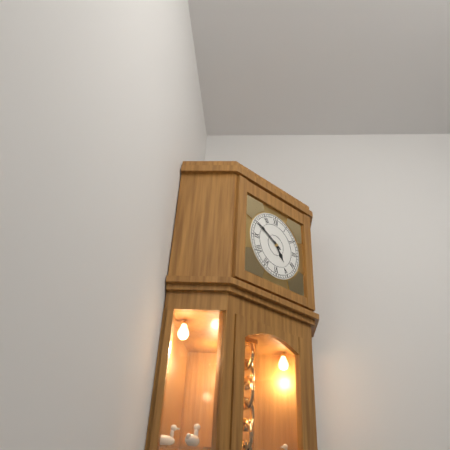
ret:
4,50
